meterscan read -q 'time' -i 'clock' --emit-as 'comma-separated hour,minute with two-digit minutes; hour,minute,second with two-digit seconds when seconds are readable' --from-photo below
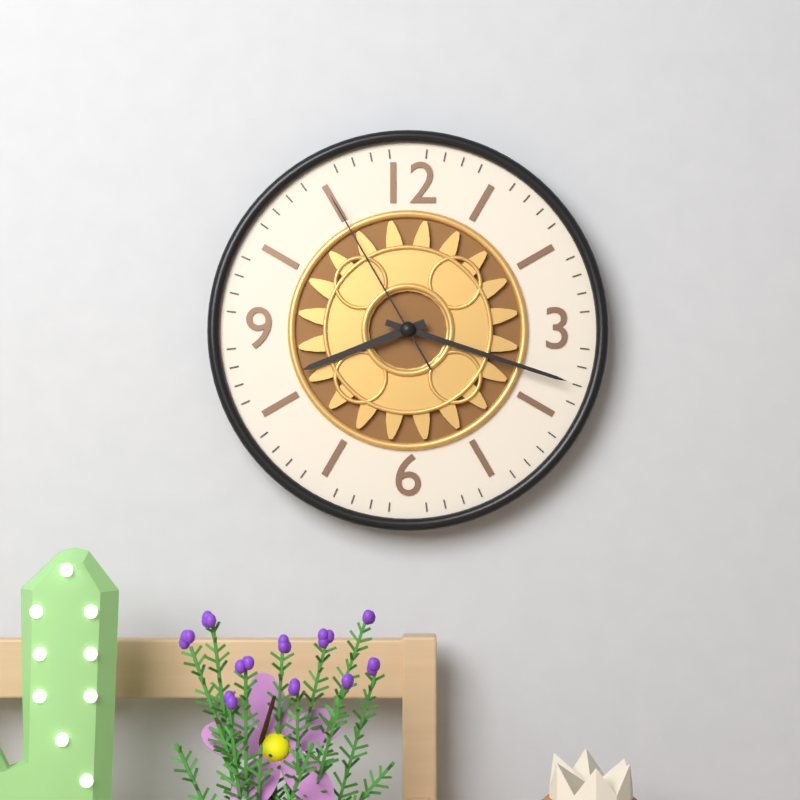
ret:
8,18,55
